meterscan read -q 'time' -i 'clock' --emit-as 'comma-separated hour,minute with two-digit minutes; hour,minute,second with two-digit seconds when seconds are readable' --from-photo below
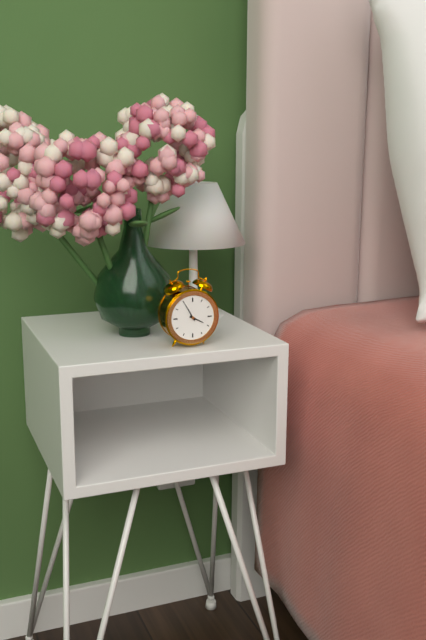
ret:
3,55
